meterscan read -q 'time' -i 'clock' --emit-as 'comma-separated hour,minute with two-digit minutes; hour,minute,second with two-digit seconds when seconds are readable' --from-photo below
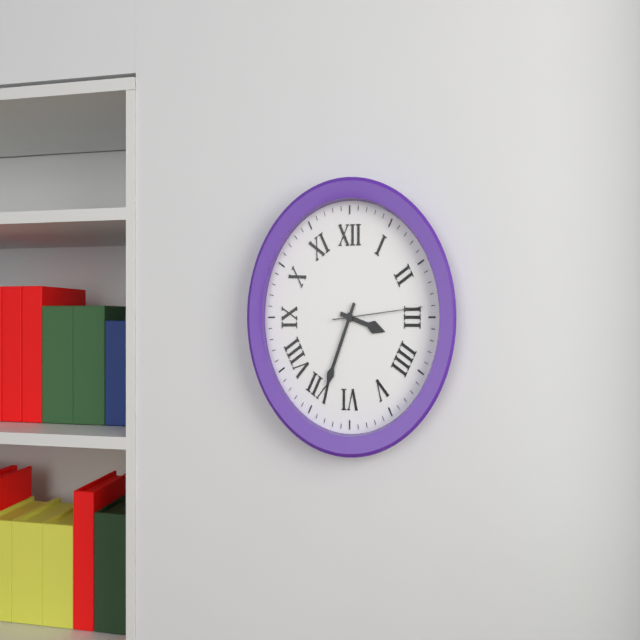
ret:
3,34,14
